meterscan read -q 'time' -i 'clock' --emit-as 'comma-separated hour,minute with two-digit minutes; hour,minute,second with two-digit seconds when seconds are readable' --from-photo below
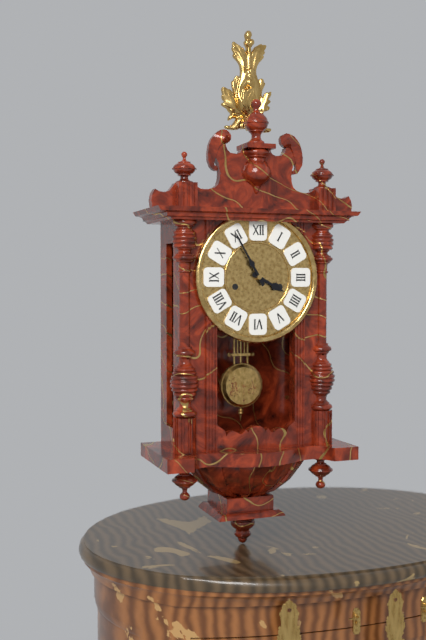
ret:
3,55
